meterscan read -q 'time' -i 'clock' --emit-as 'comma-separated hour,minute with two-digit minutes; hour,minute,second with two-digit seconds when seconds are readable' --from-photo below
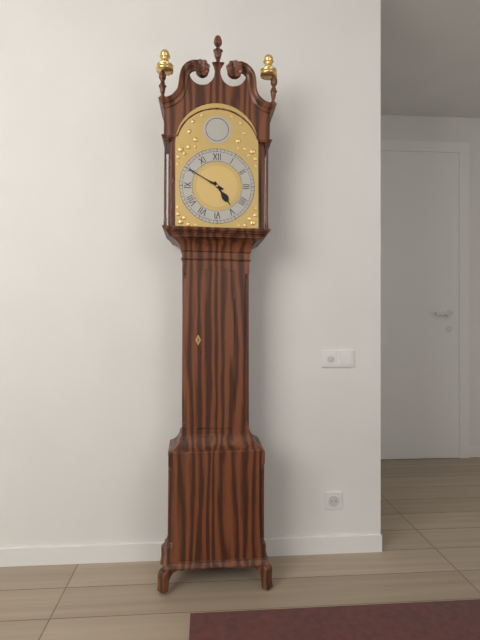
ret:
4,50
